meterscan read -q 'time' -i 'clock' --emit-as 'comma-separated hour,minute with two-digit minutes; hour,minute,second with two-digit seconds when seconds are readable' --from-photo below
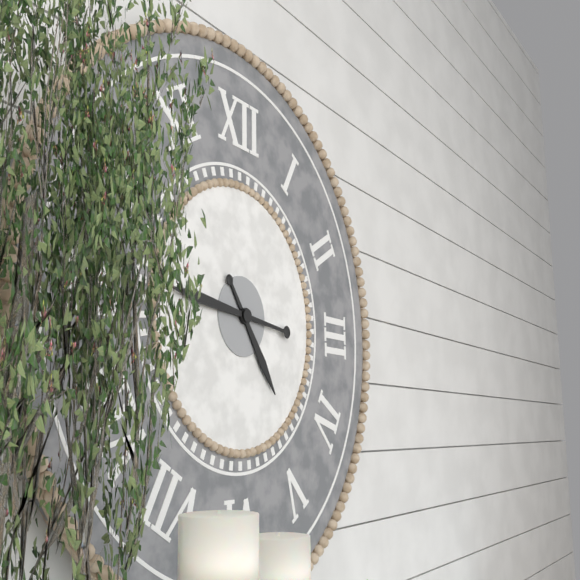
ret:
4,46
